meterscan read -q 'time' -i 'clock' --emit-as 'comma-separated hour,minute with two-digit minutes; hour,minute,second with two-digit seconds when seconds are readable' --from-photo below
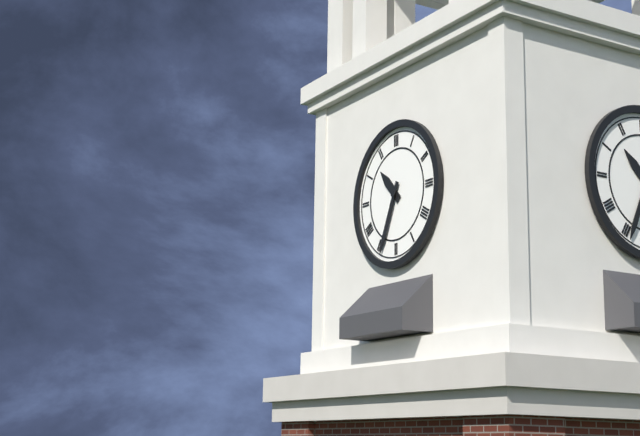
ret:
10,34
